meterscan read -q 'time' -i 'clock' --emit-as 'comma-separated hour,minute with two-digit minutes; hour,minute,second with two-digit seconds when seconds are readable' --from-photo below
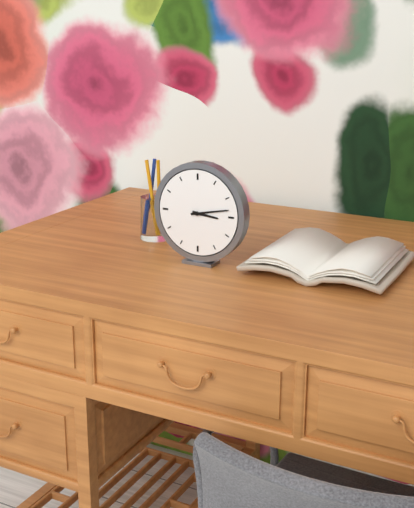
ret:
3,13
